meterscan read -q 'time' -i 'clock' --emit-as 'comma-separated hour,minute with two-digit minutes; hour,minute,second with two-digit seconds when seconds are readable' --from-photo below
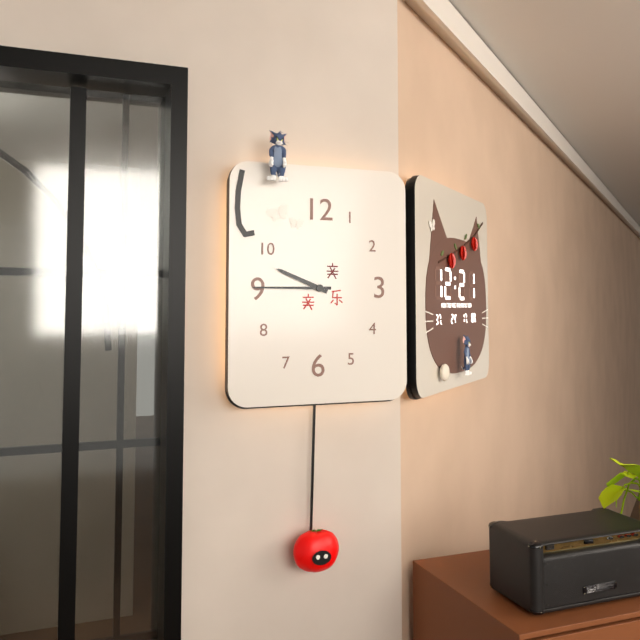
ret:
9,45
